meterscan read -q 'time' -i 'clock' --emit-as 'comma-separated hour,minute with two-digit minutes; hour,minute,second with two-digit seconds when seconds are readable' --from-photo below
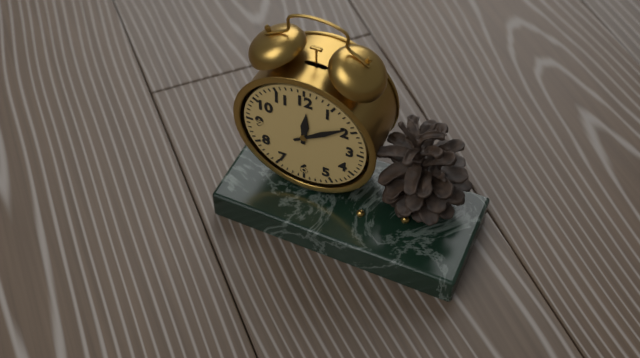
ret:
12,09
